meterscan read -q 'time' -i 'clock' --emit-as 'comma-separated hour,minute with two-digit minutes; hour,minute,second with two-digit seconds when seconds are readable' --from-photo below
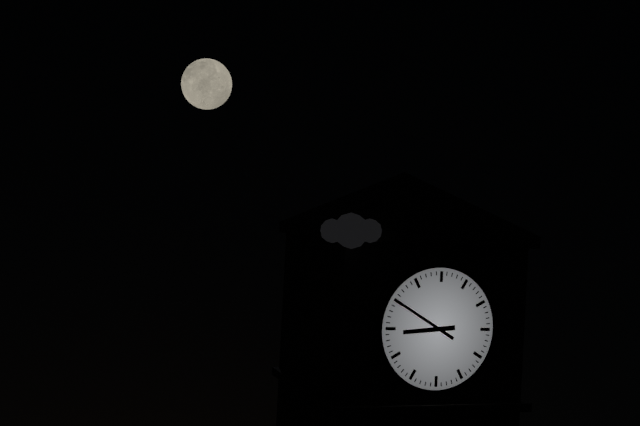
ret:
8,50
